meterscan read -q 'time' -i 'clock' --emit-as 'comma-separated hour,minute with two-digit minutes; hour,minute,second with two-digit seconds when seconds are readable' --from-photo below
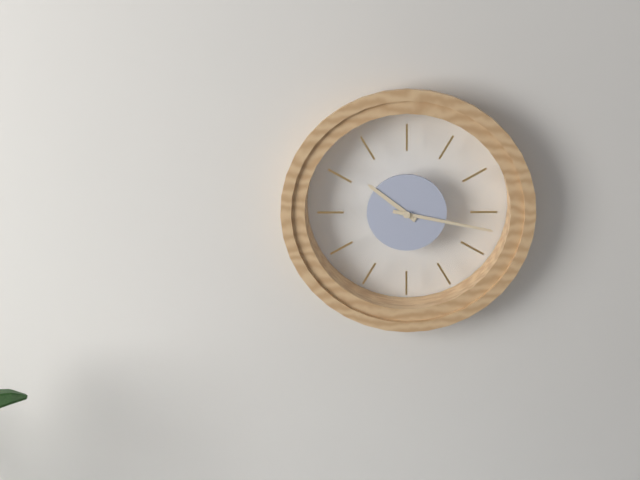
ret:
10,17
